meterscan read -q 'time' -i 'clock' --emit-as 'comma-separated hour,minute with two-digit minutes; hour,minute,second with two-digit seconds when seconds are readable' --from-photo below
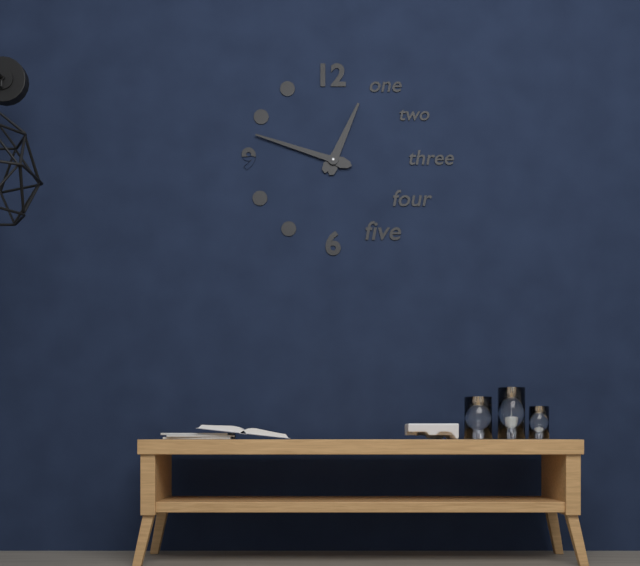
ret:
12,48
